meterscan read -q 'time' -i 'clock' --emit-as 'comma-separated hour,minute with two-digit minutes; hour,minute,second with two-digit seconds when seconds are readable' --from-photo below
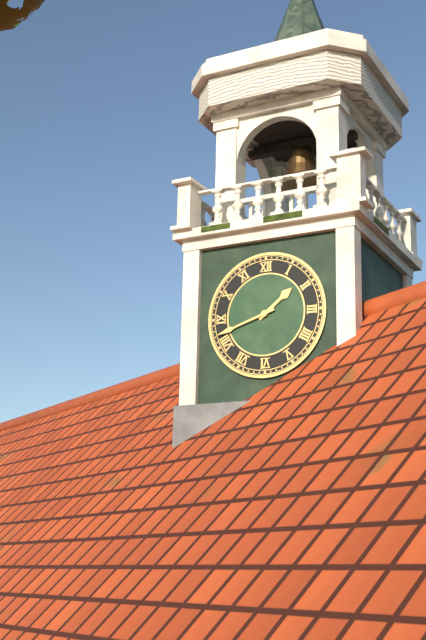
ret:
1,42
